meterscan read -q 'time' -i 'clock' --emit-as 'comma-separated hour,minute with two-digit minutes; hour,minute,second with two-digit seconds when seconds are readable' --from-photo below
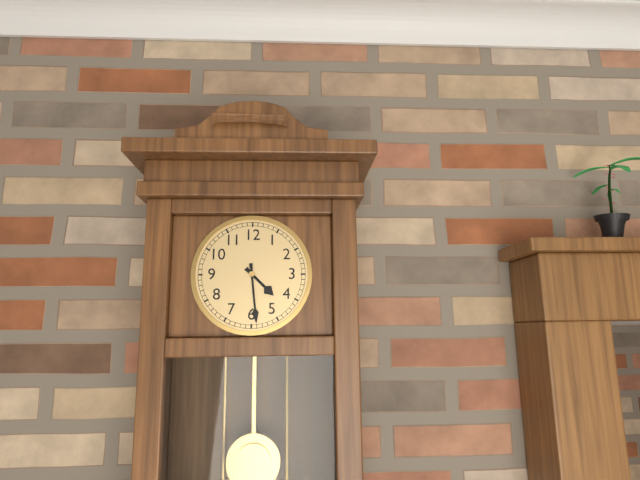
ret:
4,29
